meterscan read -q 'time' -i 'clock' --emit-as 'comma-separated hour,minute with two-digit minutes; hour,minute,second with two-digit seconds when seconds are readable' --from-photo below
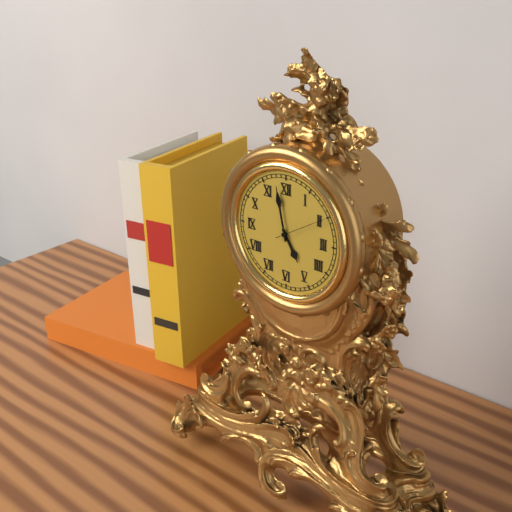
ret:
4,58
